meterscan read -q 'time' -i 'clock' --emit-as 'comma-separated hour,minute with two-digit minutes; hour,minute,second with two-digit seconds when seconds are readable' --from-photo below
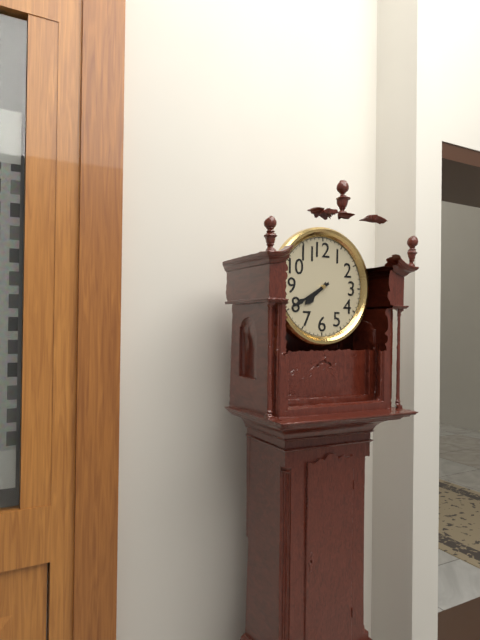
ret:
7,40
